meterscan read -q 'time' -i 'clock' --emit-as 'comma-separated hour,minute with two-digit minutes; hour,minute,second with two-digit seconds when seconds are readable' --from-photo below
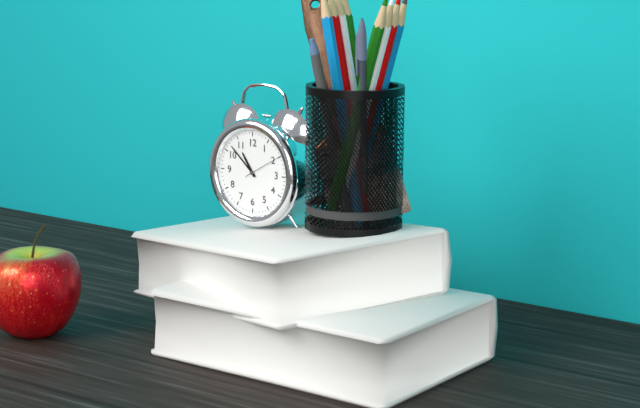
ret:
10,52
